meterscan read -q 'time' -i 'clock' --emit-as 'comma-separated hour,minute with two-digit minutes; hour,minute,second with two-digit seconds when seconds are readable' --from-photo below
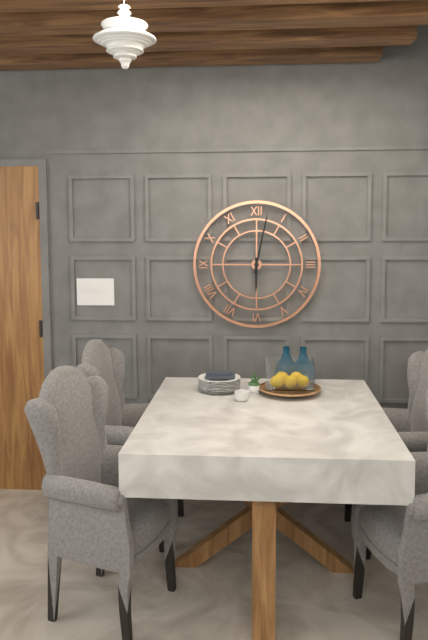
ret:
6,02
